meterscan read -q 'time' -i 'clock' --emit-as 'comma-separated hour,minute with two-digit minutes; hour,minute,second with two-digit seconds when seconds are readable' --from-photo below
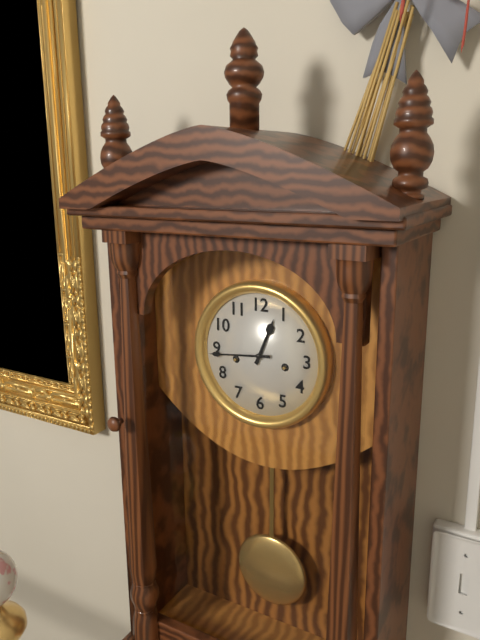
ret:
12,44
